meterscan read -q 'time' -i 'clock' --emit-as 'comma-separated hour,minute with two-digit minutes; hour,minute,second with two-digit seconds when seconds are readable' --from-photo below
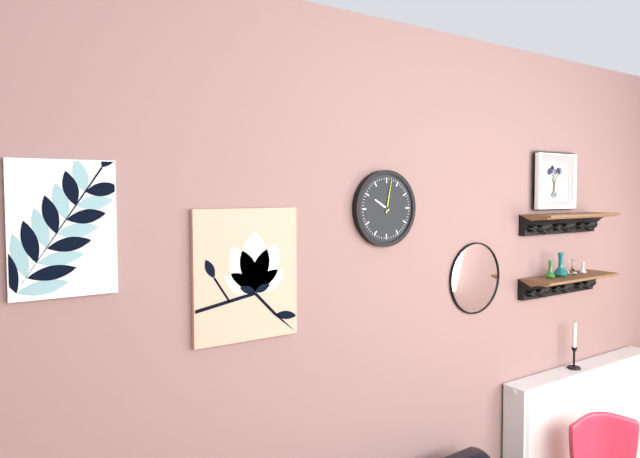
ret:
10,02
